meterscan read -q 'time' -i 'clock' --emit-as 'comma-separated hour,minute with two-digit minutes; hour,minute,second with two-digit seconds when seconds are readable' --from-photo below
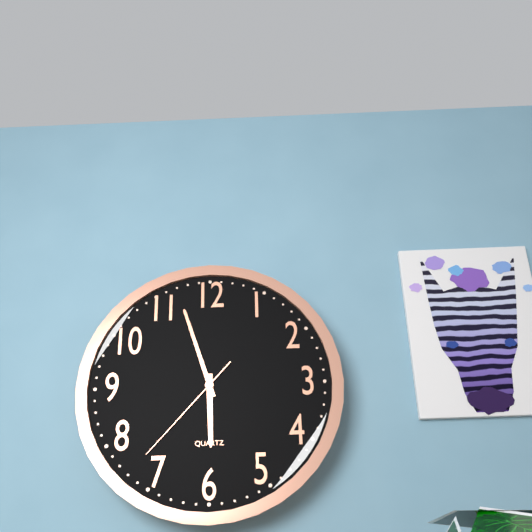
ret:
5,57,37
